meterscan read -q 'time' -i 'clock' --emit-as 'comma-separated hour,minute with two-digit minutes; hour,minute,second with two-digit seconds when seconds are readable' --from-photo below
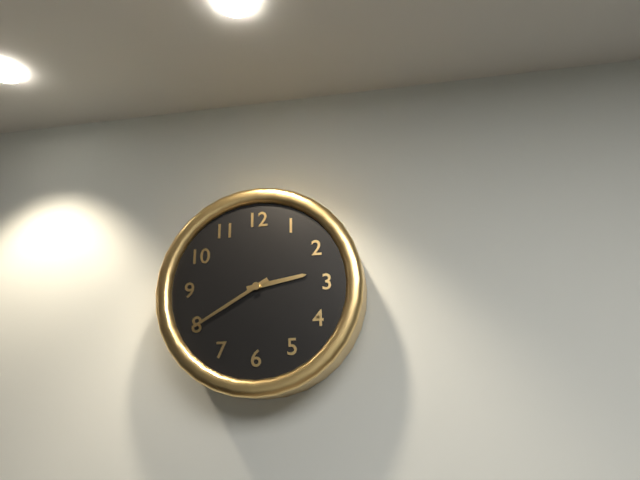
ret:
2,40
